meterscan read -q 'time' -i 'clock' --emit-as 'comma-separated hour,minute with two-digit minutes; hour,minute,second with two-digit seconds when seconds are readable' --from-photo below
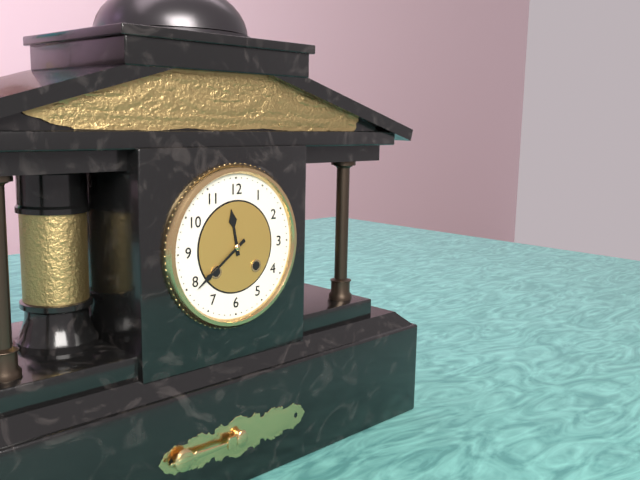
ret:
11,39
